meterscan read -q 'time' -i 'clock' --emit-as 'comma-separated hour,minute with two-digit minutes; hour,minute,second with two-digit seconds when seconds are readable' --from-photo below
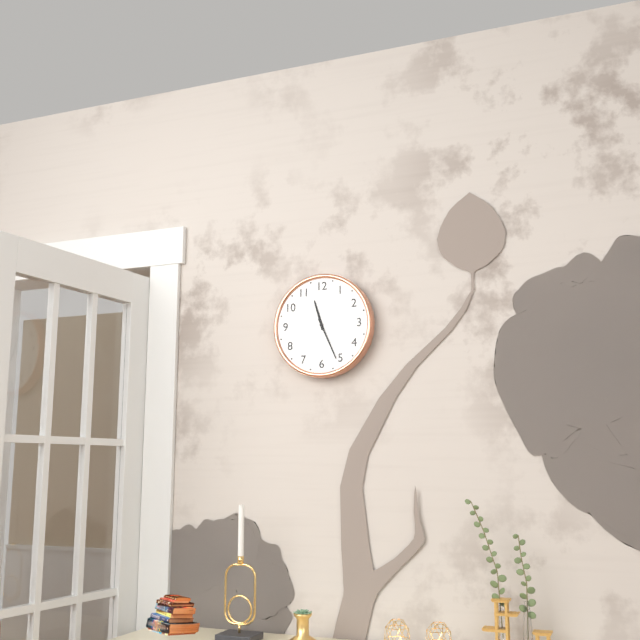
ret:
11,26
